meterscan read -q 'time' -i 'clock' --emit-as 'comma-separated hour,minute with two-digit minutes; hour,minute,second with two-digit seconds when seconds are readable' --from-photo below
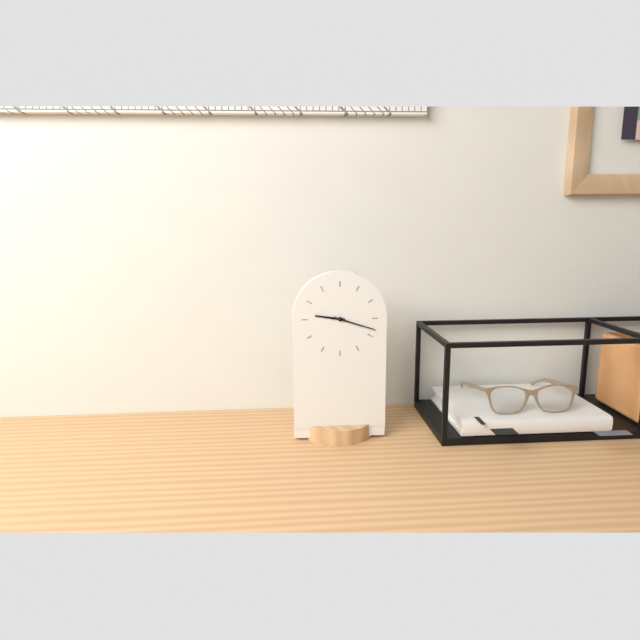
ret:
9,18
